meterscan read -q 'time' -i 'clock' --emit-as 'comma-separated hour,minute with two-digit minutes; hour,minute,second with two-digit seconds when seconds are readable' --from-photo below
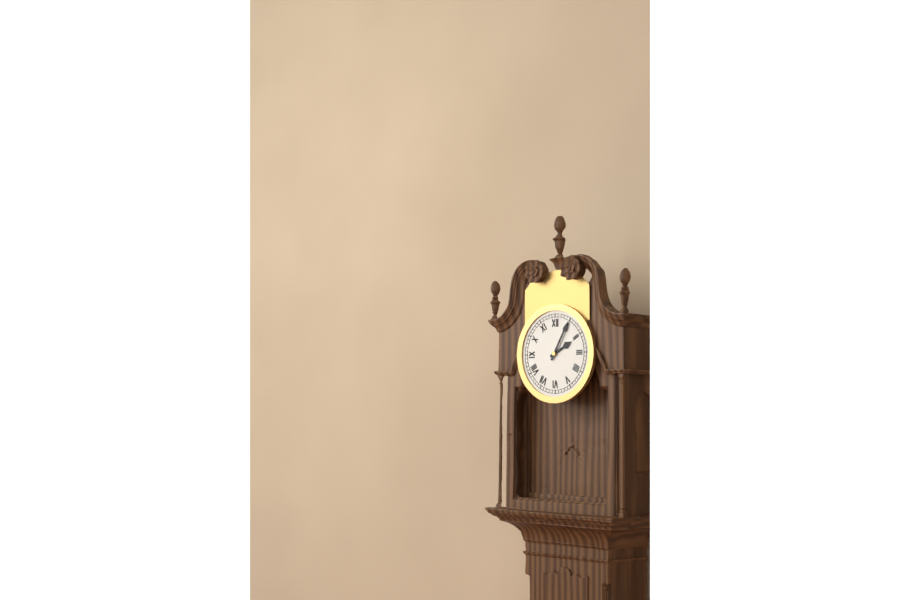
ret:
2,05
